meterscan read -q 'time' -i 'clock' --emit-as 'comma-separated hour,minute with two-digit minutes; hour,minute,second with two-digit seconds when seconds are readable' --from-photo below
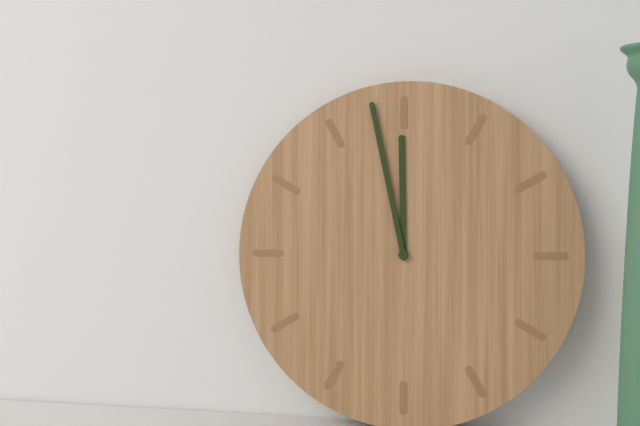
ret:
11,58
